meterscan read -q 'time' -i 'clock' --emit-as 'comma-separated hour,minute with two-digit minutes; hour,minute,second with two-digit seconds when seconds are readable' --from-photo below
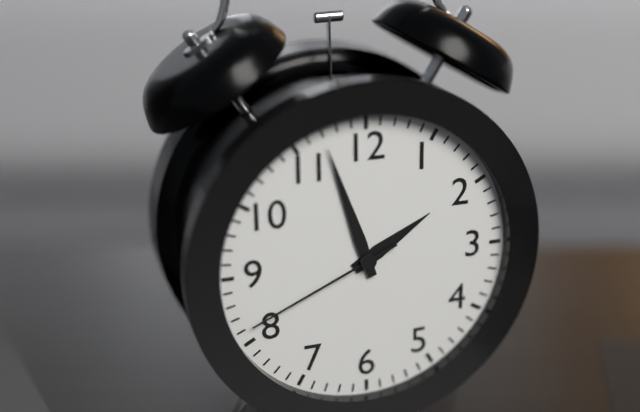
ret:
1,57,41
